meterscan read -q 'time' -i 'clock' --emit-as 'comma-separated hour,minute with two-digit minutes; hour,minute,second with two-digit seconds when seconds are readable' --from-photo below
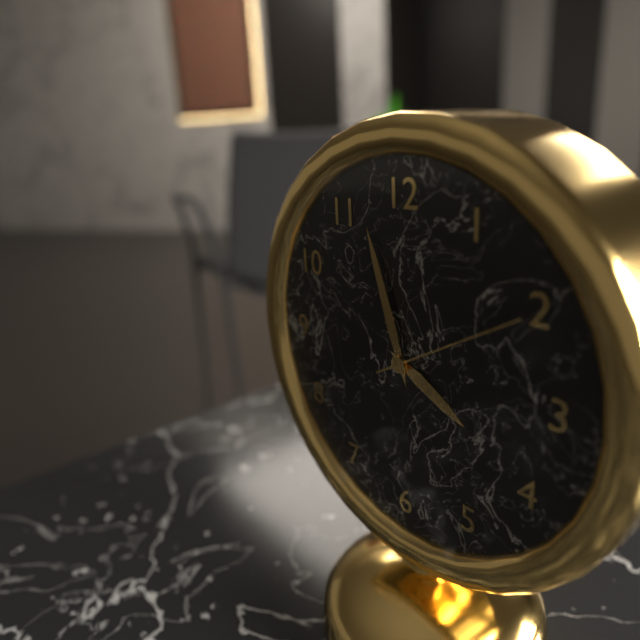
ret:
3,57,10
